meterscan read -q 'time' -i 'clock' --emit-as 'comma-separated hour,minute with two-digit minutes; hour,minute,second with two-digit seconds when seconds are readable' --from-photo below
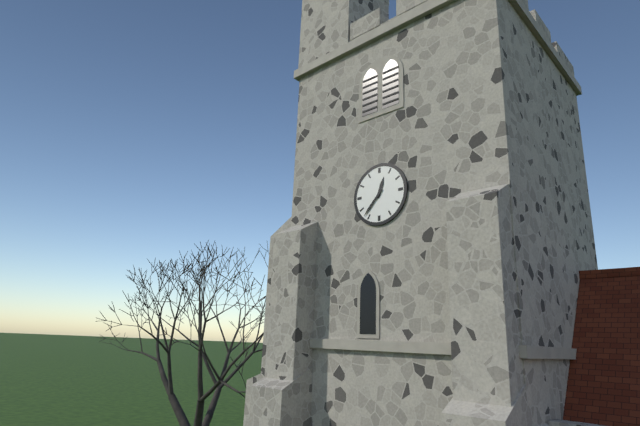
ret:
12,37
